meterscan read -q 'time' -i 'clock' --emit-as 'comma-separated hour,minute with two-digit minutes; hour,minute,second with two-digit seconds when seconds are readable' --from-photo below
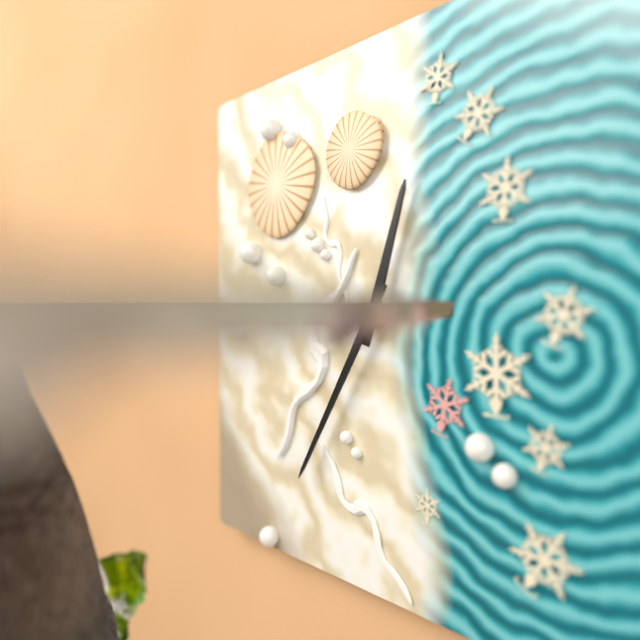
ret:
12,35
